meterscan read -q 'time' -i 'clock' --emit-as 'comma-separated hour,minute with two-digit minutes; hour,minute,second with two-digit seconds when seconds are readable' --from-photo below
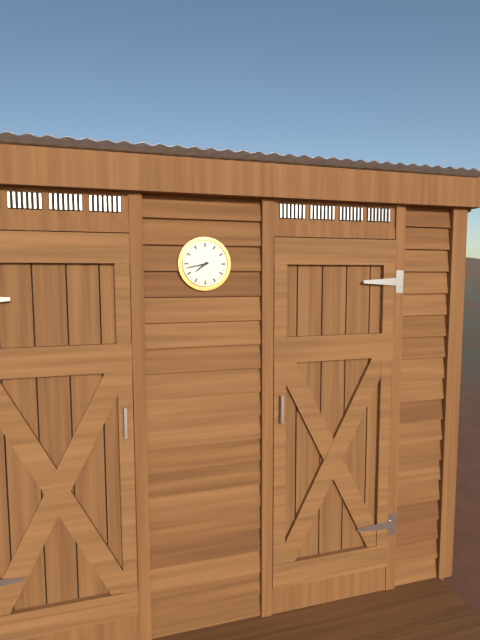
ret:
7,43
